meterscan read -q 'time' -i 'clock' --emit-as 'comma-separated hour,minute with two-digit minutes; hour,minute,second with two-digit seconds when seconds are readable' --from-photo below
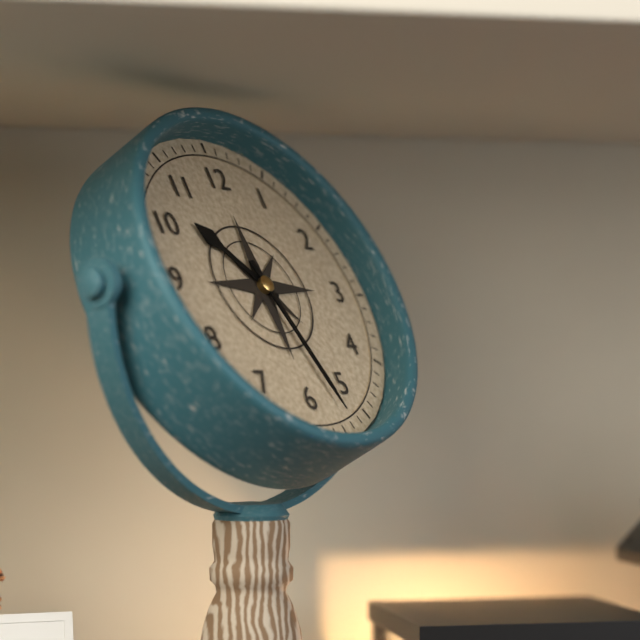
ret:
10,27
